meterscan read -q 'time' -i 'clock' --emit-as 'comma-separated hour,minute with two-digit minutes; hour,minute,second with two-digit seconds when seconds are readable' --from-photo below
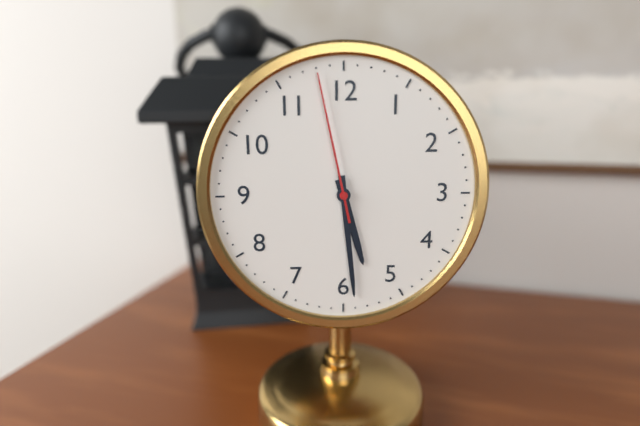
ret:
5,29,58
